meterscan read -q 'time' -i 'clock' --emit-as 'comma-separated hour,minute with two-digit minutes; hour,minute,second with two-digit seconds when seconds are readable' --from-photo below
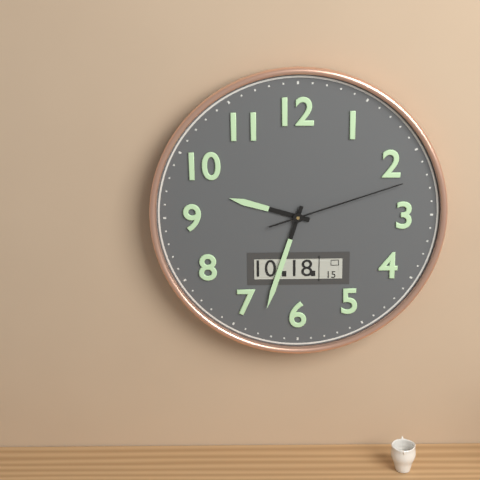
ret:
9,33,12
